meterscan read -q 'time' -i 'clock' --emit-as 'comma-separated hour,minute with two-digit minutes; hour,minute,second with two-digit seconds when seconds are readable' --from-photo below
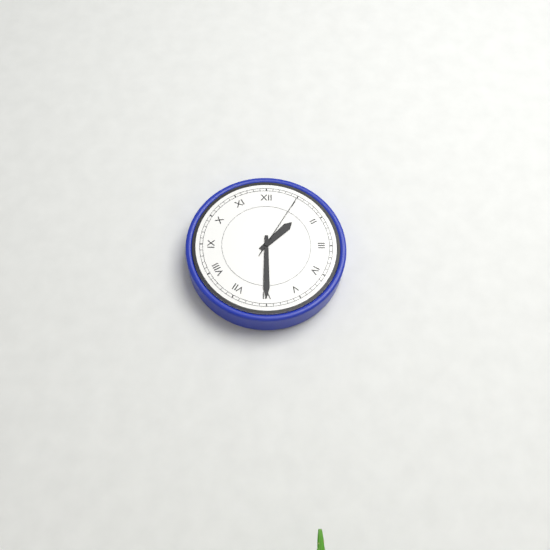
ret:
1,30,05
